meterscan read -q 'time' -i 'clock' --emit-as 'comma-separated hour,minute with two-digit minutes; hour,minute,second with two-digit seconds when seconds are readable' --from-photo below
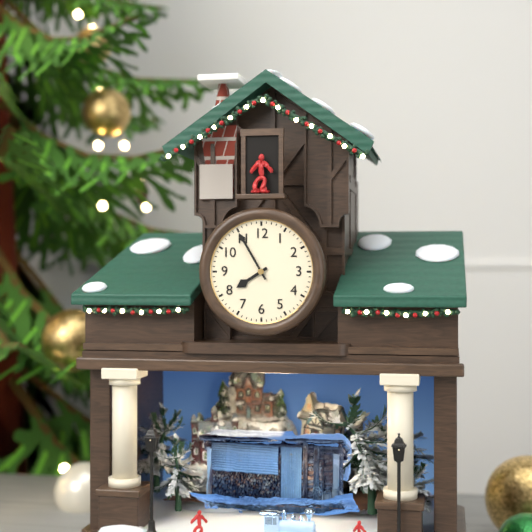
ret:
7,55
